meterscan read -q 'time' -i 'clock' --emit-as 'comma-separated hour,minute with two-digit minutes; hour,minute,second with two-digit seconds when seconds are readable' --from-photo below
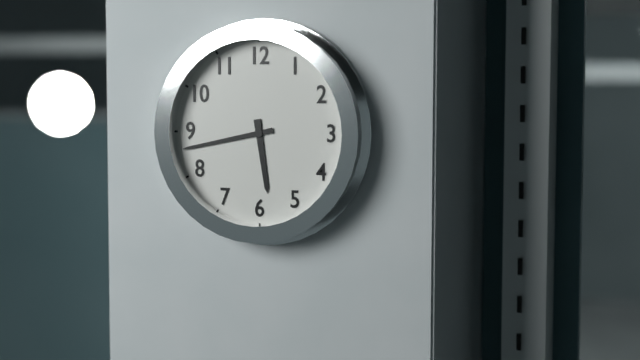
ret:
5,43
